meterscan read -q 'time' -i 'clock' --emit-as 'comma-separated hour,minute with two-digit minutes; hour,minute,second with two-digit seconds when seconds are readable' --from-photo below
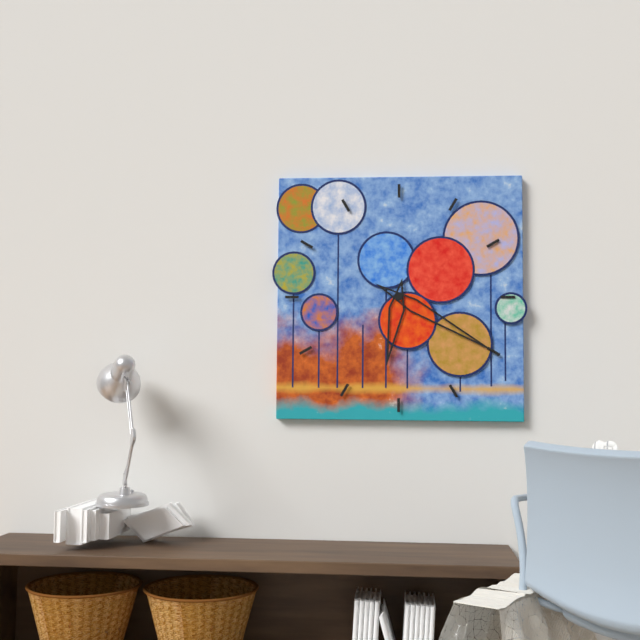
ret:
6,20
